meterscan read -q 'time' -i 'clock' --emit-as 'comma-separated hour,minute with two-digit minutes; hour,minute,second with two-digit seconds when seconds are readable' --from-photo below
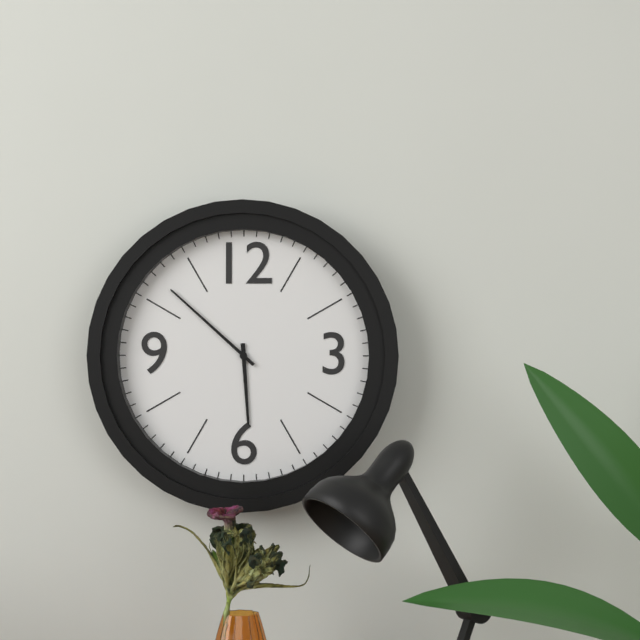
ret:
5,52
